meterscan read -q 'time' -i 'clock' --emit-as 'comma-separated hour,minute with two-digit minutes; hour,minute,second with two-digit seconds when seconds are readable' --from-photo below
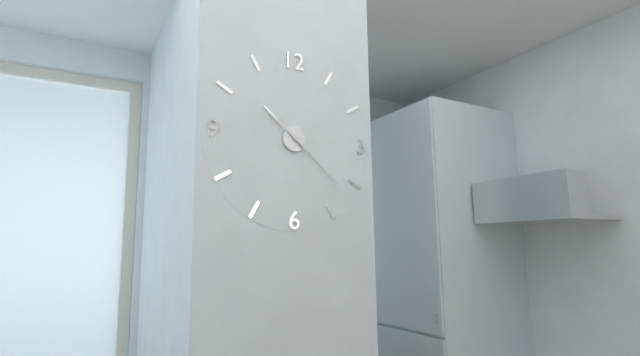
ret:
10,22
